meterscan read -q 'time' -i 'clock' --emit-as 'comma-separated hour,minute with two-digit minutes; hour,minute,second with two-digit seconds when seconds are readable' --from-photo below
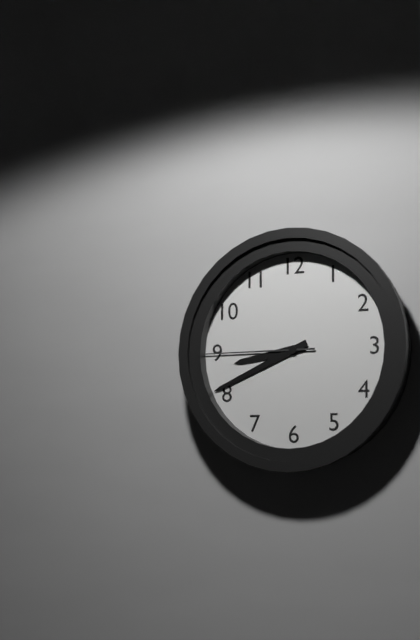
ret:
8,41,45
